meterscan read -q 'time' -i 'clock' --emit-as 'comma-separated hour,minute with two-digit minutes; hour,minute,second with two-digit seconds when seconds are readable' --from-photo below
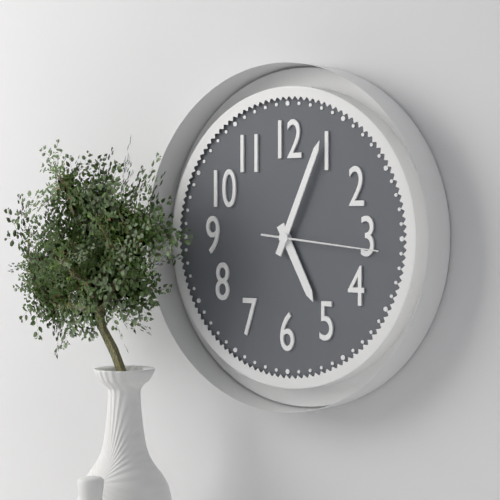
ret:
5,04,16
